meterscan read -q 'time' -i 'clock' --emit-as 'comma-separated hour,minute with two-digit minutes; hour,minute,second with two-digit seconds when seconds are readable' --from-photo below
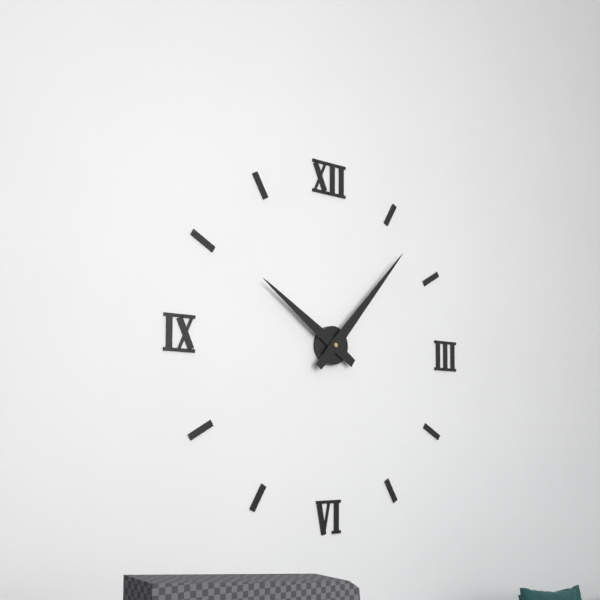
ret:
10,07
